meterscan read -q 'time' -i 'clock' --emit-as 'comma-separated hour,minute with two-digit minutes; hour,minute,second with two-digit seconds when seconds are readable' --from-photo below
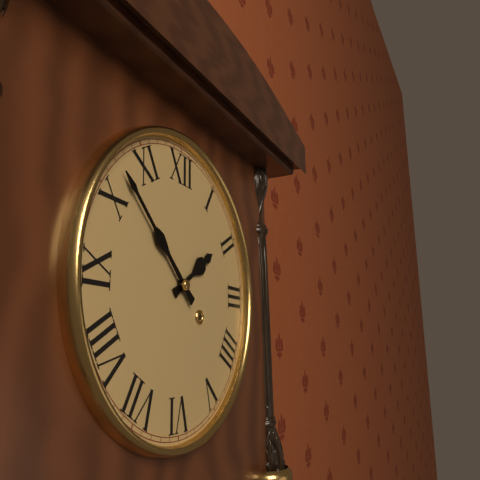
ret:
1,52
